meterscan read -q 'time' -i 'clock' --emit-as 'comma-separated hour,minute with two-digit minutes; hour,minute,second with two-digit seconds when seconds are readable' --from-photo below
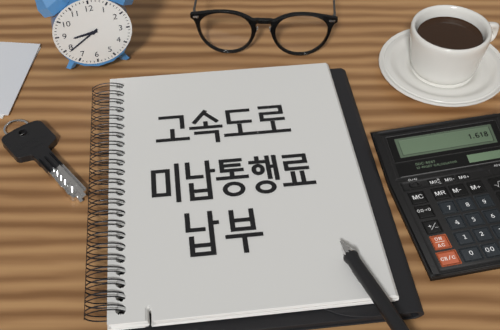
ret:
8,39
